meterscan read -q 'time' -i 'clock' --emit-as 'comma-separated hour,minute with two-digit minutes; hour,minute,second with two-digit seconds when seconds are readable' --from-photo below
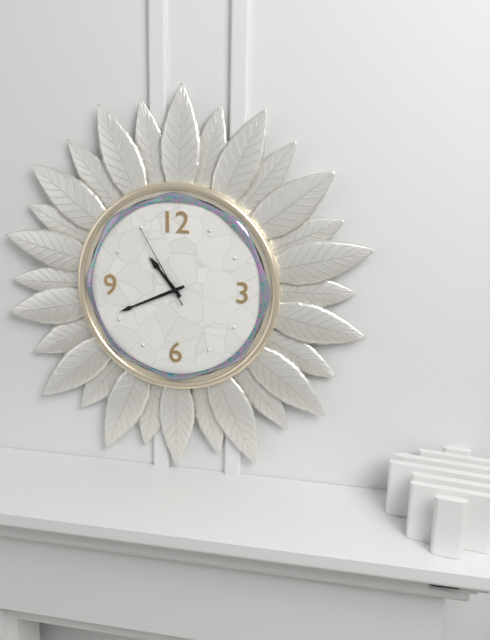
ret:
10,41,55
